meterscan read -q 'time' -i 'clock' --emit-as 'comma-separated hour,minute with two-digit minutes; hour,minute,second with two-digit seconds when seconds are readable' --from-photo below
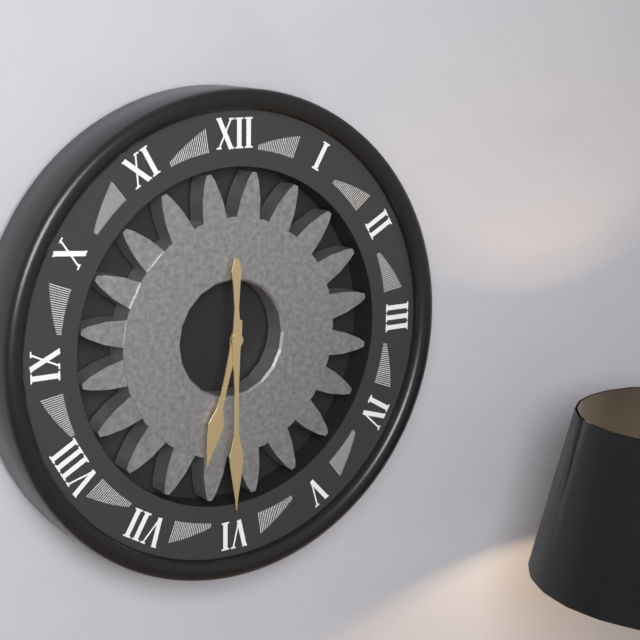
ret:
6,30
